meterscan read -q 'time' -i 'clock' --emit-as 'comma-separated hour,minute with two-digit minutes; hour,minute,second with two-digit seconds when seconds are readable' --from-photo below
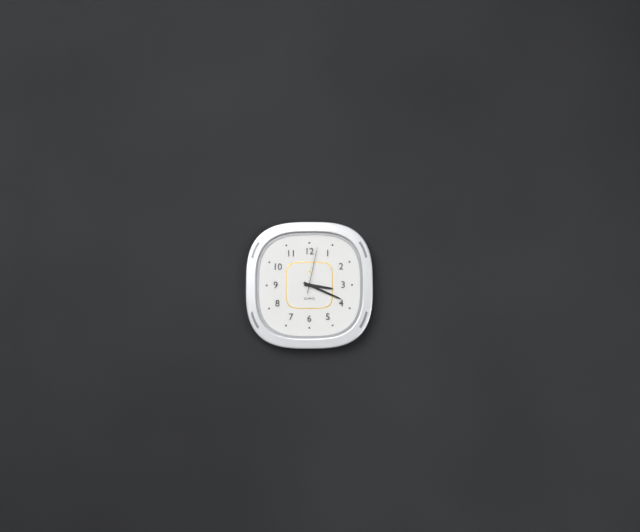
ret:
3,19
